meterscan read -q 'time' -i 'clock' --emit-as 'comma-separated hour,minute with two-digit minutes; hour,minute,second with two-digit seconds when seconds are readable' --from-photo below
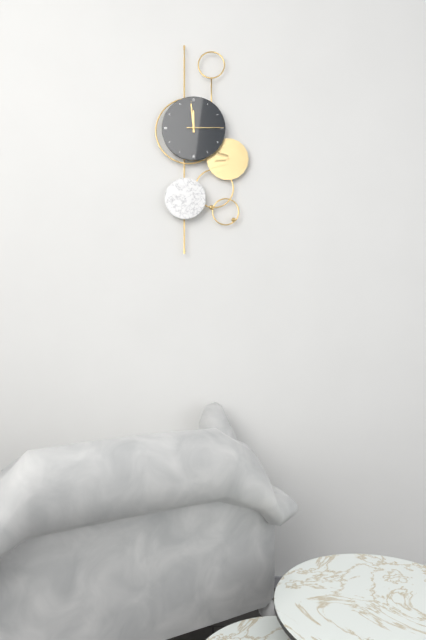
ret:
11,59
